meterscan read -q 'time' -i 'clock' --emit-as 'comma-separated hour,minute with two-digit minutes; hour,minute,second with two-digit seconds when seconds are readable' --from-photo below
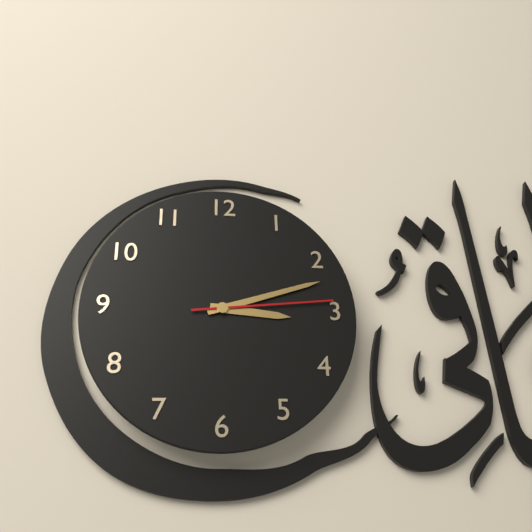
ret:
3,12,14
